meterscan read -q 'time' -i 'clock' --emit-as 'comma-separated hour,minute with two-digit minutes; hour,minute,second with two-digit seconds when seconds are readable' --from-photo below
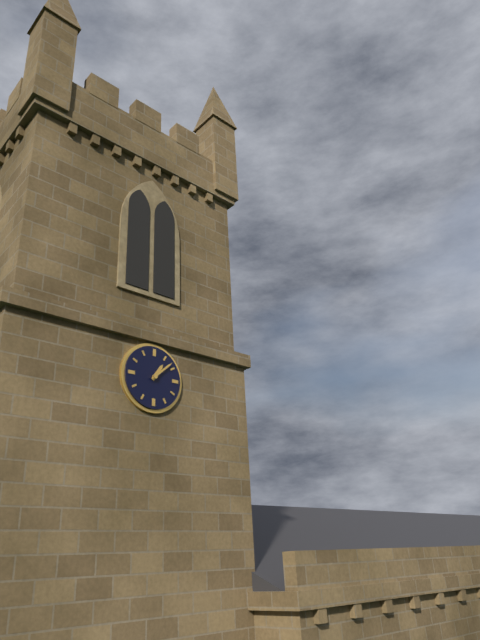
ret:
1,08
